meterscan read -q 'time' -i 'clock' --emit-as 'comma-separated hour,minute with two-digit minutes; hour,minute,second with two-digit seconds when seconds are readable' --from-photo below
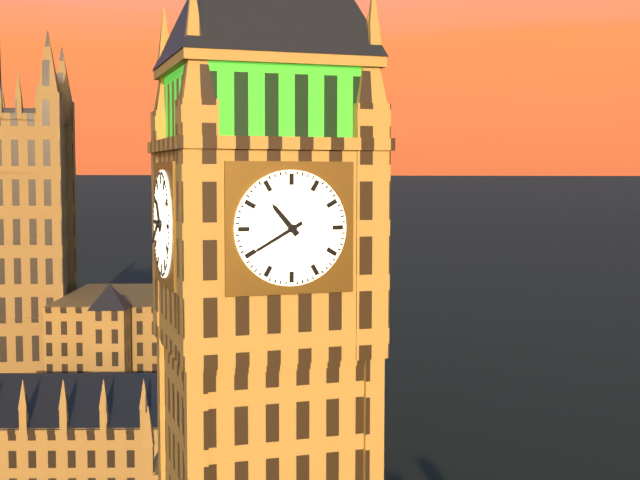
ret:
10,40
